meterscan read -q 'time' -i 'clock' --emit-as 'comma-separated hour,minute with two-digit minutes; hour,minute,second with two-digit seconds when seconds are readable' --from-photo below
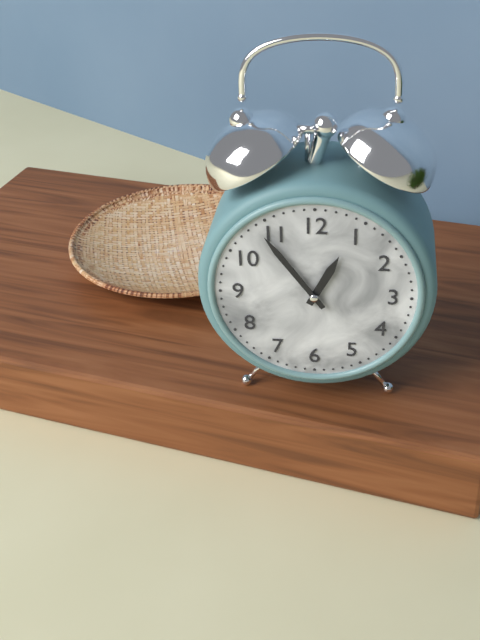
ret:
12,54
